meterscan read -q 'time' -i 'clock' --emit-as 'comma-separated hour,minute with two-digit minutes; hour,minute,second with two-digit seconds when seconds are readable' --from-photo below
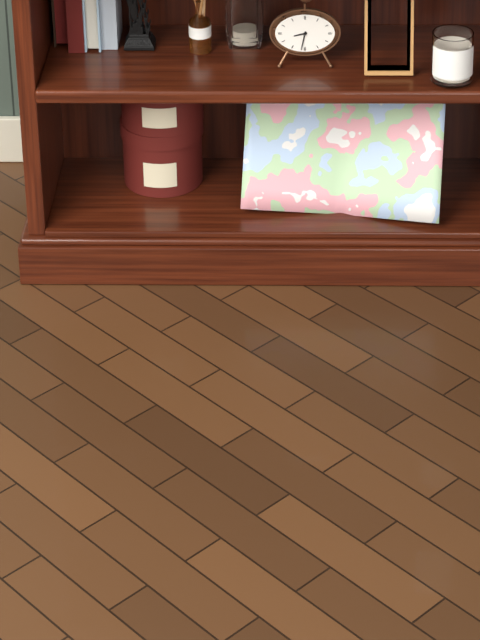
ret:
8,32
